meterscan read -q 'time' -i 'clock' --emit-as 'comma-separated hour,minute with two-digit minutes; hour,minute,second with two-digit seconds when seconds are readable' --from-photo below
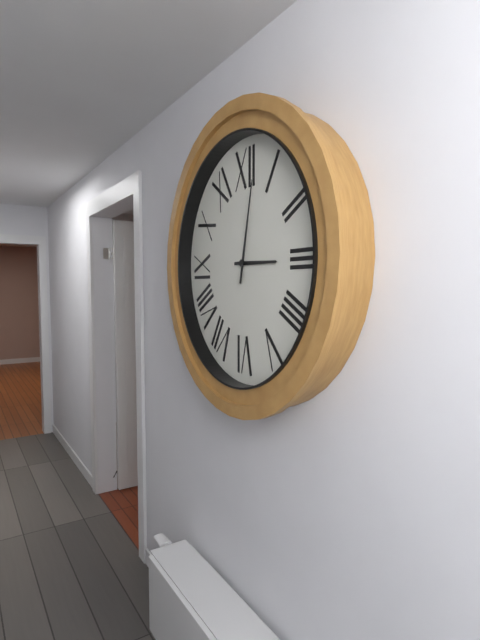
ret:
3,02
